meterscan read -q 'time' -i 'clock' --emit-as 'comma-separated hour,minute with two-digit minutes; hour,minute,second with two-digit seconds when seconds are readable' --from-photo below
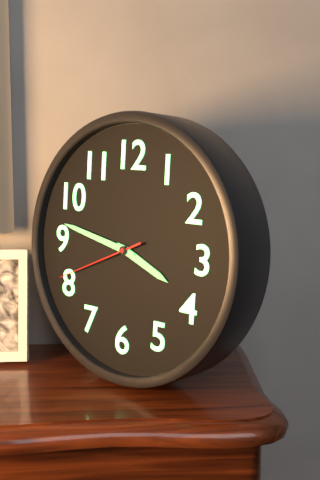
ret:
3,47,41
